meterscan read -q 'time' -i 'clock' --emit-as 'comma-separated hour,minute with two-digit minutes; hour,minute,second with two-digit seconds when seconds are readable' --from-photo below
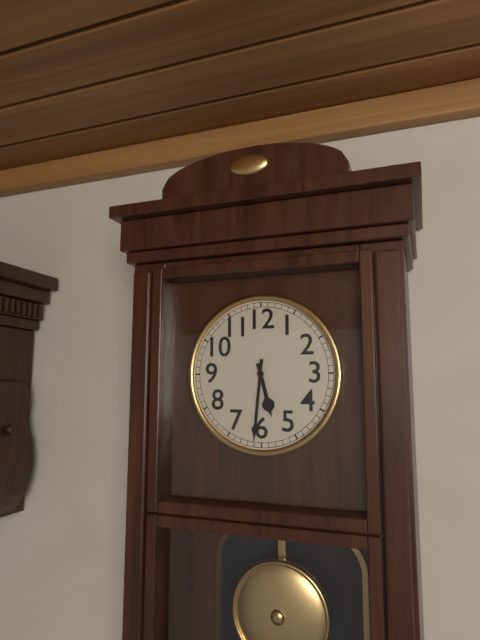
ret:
5,31
